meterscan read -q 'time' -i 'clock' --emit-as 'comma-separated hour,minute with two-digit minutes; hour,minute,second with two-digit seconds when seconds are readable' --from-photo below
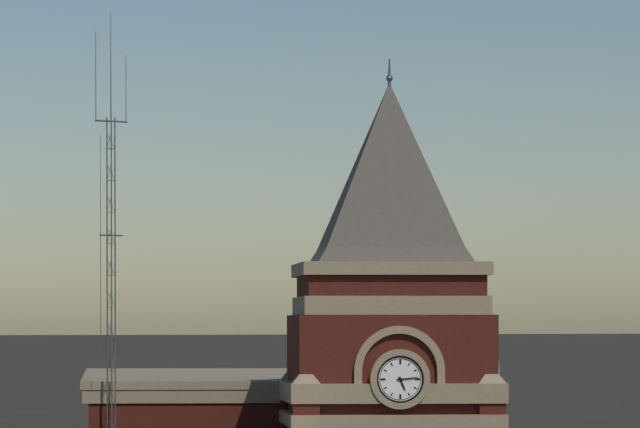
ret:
5,14
